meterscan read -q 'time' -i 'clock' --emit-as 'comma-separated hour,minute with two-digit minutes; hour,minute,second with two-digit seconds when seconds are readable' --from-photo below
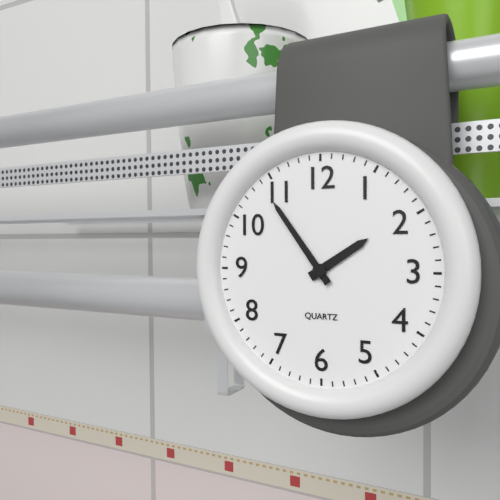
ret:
1,54
